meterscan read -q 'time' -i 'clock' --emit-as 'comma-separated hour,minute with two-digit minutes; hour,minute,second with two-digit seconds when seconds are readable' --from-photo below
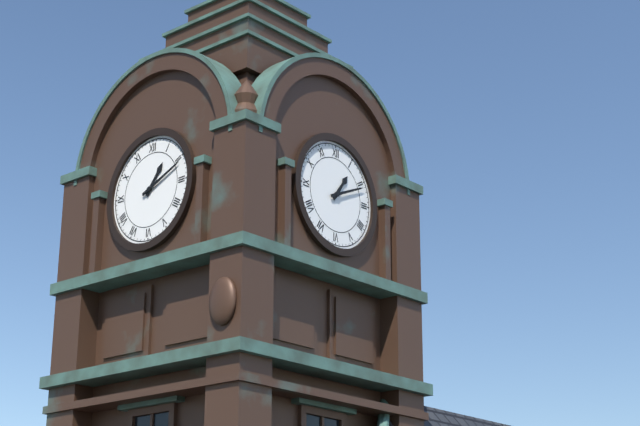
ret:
1,11
